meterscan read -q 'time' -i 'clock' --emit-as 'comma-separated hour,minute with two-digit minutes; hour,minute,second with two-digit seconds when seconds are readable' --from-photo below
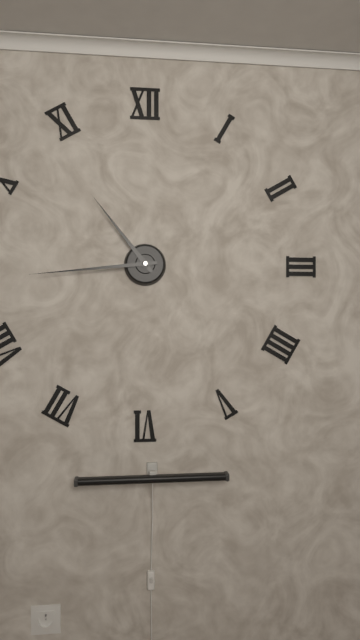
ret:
10,44
